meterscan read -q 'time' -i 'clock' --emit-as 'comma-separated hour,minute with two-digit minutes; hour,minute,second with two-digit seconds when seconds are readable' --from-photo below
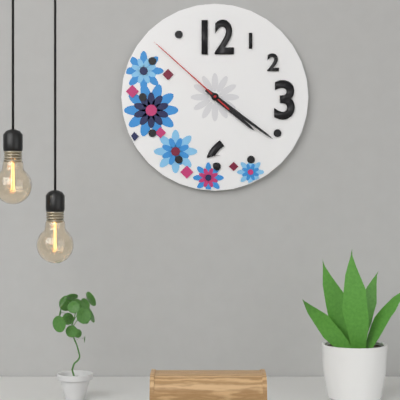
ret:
4,21,52
